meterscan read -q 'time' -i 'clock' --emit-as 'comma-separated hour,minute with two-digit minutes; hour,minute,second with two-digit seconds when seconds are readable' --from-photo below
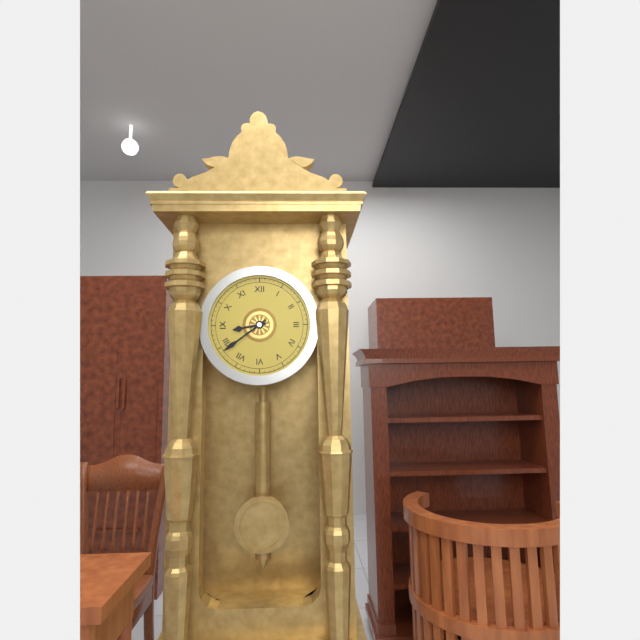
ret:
8,39
